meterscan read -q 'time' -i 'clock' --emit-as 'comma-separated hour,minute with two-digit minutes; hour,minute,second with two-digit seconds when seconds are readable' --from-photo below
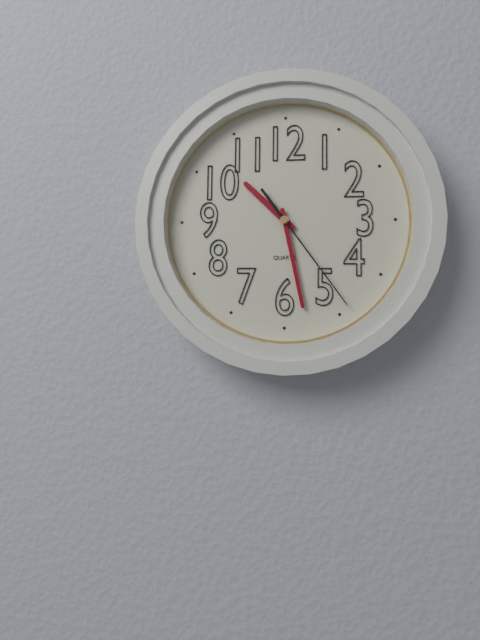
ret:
10,28,24
